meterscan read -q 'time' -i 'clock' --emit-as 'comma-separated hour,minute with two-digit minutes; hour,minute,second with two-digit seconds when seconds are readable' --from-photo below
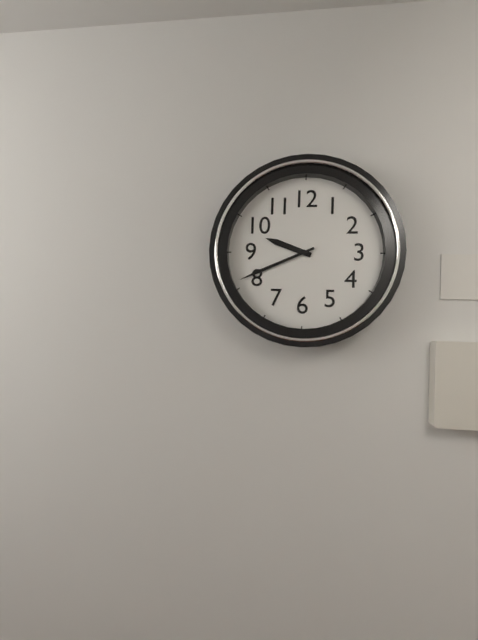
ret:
9,41
